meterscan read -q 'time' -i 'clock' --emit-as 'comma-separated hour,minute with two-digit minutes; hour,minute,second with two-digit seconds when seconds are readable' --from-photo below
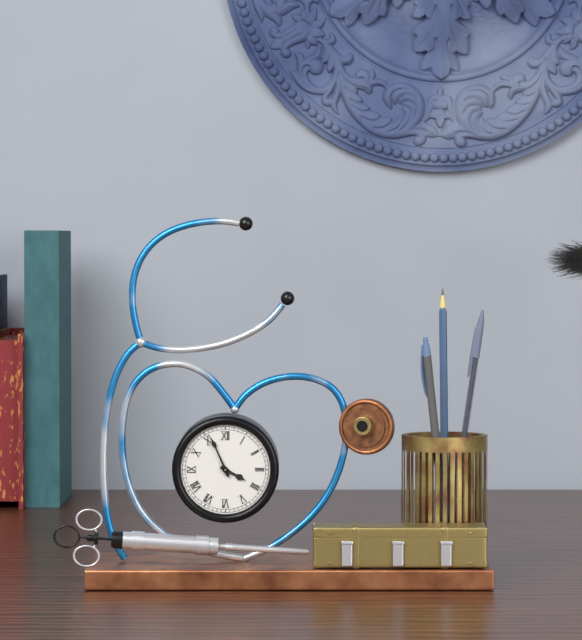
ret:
3,56
